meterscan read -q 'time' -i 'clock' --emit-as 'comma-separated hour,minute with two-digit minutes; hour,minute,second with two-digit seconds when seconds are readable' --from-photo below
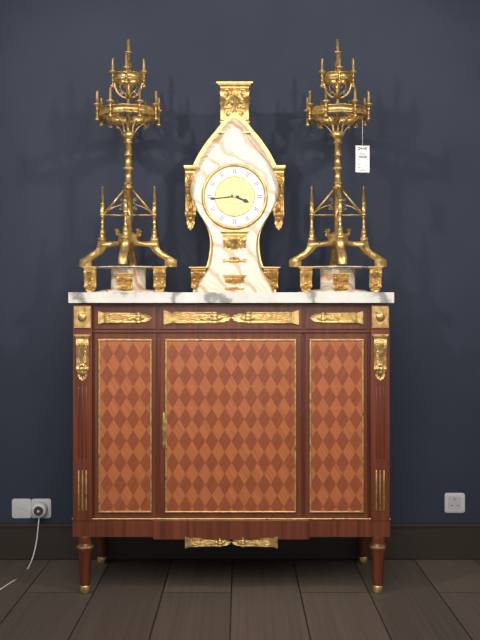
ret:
3,44
